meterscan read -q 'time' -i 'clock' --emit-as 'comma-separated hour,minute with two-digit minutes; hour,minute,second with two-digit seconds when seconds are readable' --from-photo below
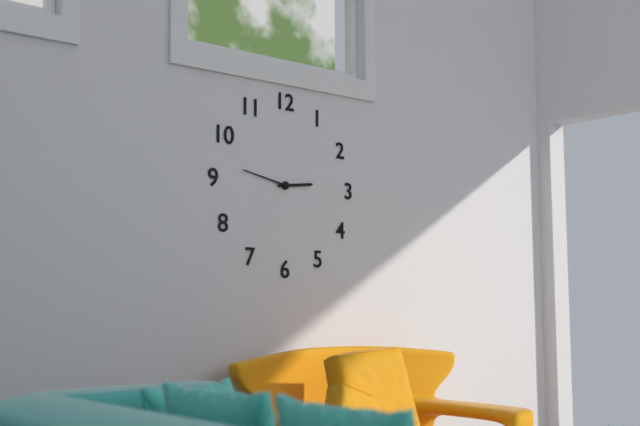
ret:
2,47
